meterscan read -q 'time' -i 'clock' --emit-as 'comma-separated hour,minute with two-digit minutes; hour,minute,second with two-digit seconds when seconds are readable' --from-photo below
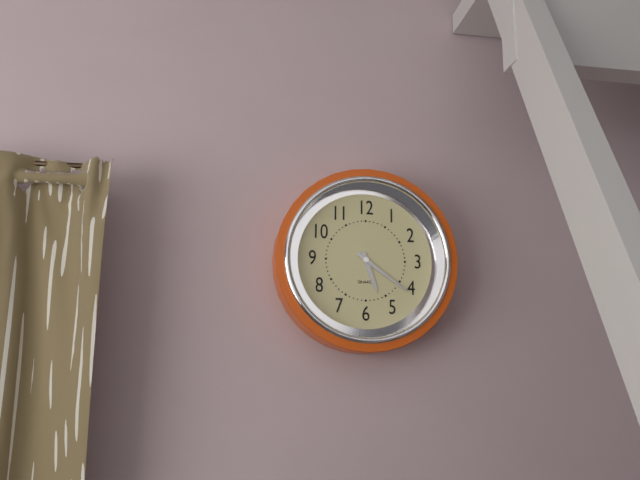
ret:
5,21
